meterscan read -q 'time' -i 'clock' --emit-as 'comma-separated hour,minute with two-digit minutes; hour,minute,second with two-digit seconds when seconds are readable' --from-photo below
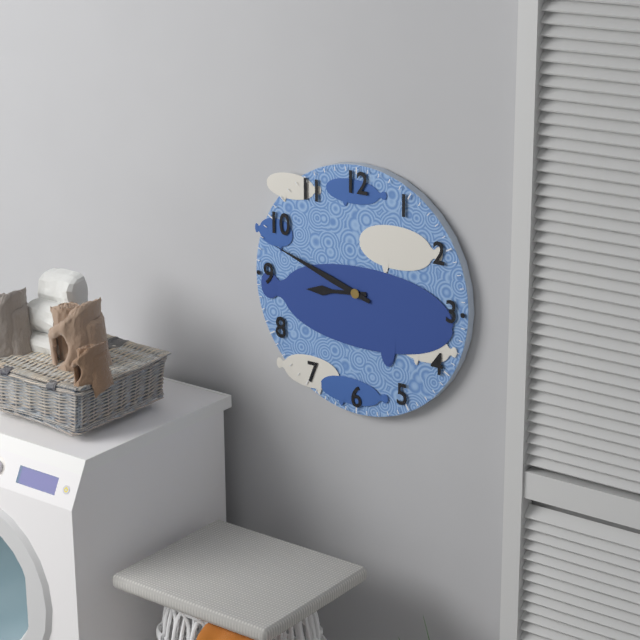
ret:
8,48
